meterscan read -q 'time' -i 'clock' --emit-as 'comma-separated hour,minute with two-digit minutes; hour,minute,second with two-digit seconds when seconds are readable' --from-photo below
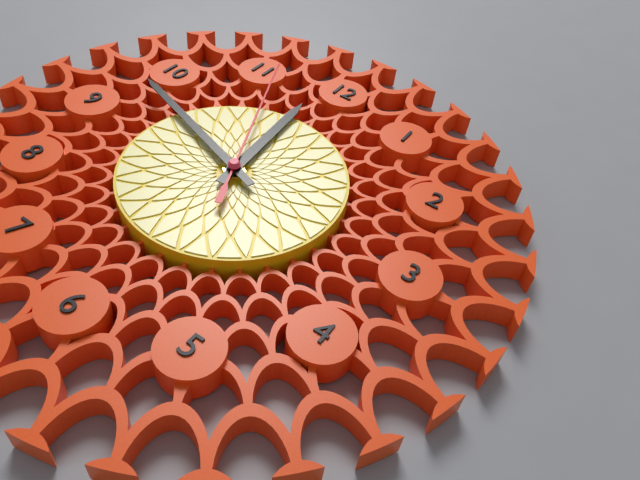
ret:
11,48,56
